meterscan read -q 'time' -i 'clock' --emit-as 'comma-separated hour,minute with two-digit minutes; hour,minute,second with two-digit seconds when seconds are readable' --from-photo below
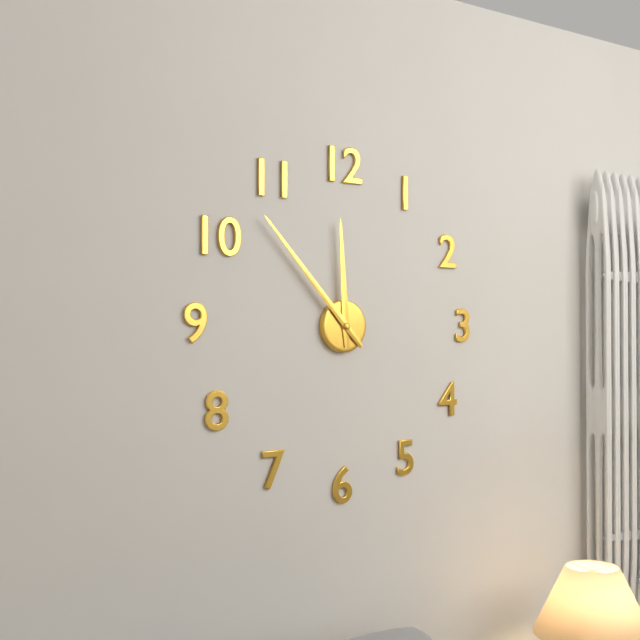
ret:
11,53
